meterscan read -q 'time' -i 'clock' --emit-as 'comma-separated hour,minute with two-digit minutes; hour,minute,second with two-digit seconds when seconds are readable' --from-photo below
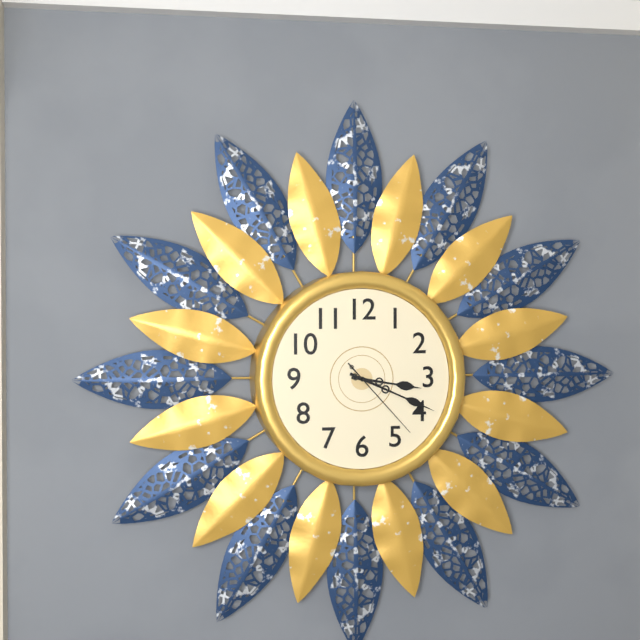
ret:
3,19,23
